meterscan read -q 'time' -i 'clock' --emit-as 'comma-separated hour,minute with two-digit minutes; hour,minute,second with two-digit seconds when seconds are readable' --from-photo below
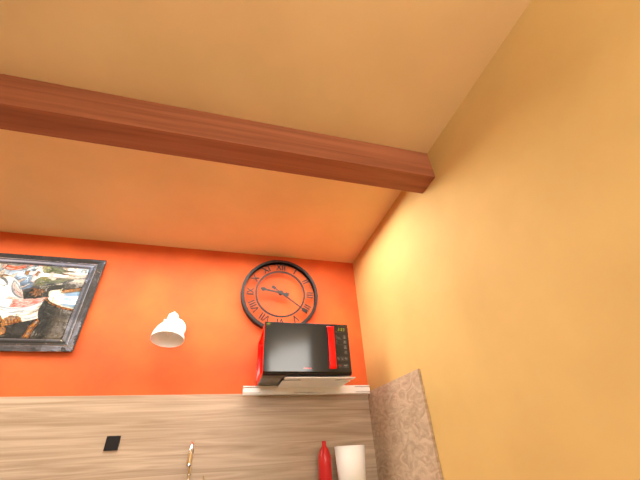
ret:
9,21
